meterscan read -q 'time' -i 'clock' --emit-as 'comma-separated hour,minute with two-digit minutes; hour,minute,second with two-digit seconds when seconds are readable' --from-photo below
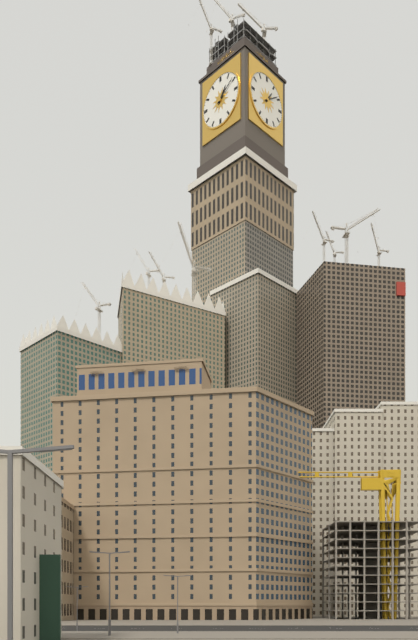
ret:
1,09
